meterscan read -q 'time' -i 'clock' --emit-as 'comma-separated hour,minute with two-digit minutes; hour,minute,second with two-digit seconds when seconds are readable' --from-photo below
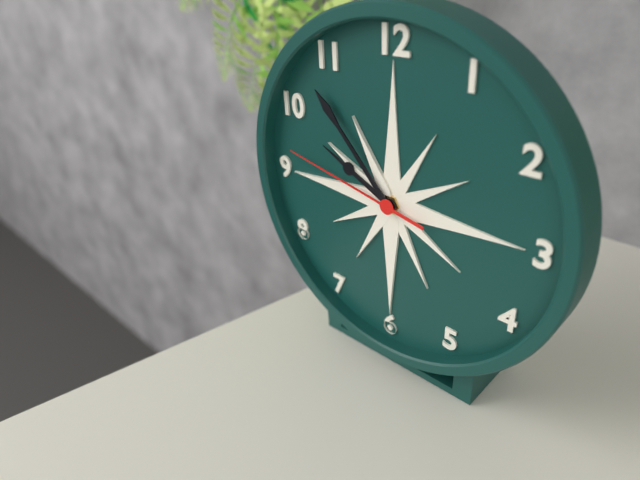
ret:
9,53,47
